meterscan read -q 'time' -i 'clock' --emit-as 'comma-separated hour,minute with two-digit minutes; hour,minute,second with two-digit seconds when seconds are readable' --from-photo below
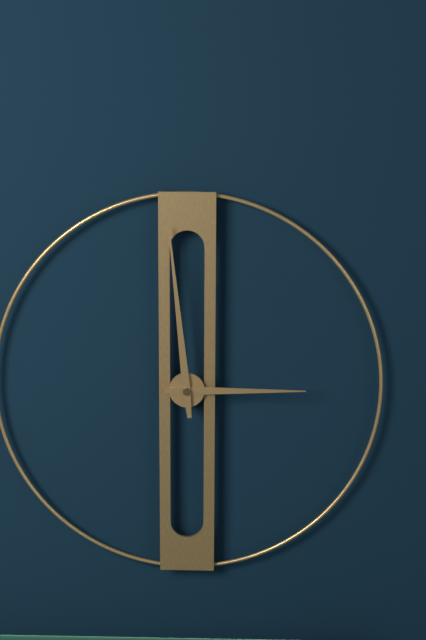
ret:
2,59
